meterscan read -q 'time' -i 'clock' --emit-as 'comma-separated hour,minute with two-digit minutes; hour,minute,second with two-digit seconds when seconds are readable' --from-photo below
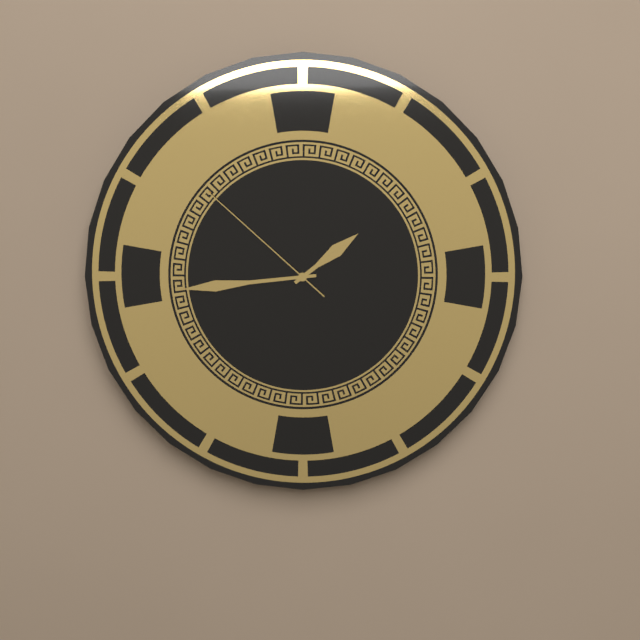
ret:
1,44,52
